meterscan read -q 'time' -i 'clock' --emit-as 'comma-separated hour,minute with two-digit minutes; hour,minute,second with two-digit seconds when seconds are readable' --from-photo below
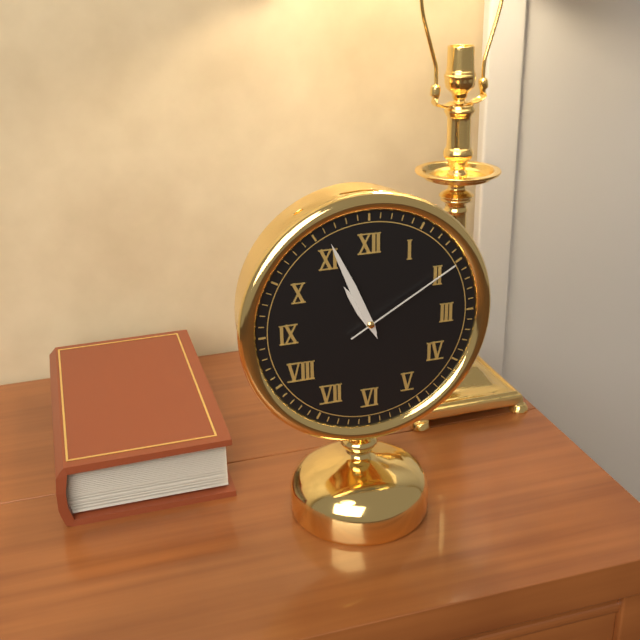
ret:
10,56,10
